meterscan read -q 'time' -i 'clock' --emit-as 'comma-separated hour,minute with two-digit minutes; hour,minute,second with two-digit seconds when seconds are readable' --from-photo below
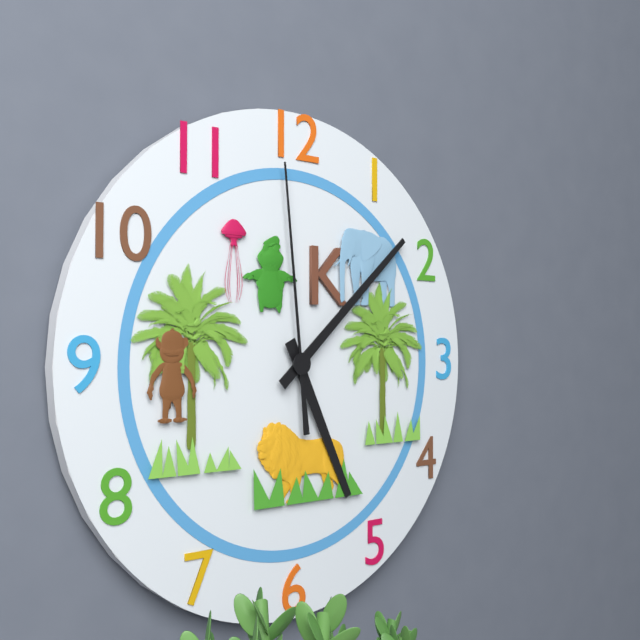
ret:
5,08,59
